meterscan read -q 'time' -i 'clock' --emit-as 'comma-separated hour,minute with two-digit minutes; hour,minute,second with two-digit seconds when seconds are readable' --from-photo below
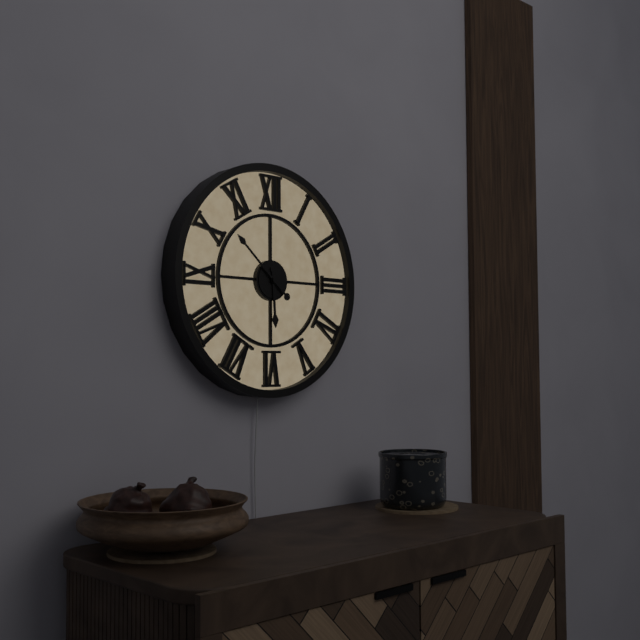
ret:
5,52
